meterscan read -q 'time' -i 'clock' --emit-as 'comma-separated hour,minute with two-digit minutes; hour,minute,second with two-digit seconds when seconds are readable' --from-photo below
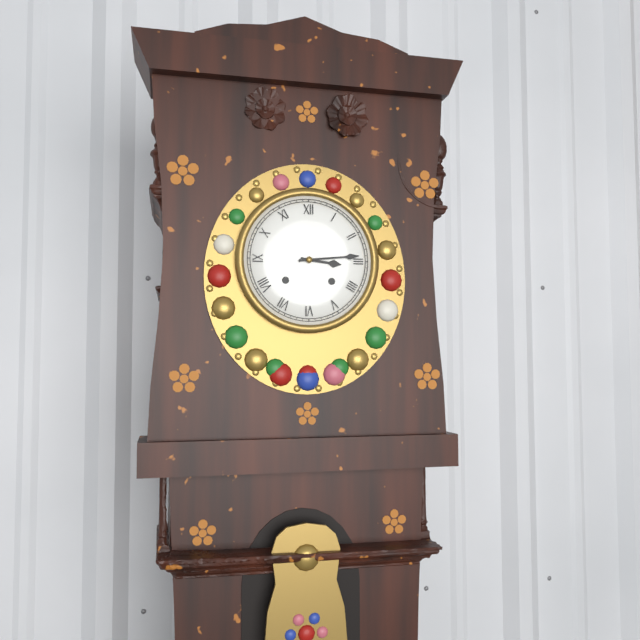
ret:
3,14
